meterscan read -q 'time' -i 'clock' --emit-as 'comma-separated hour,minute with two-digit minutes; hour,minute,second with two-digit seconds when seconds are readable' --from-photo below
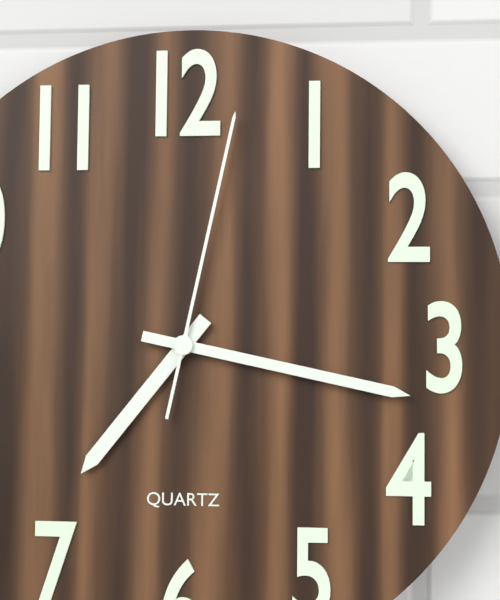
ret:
7,17,02
